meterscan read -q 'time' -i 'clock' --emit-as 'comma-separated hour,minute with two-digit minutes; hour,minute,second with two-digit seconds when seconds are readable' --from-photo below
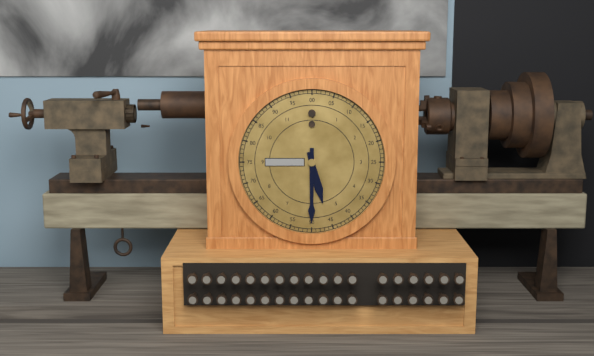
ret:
5,30
